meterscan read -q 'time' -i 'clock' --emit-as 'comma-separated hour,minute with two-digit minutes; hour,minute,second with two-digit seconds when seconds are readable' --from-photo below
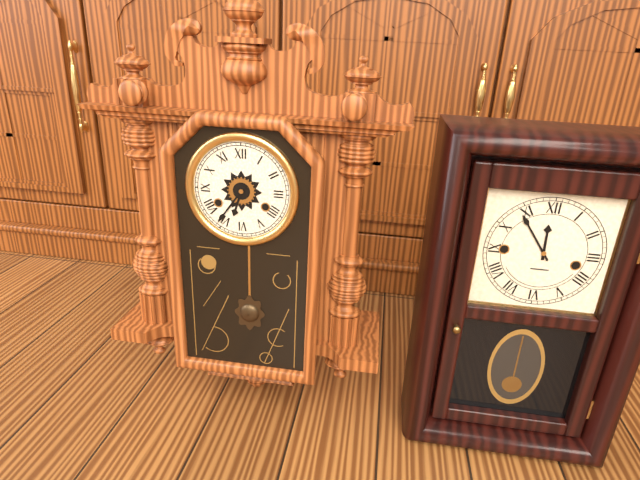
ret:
6,36
